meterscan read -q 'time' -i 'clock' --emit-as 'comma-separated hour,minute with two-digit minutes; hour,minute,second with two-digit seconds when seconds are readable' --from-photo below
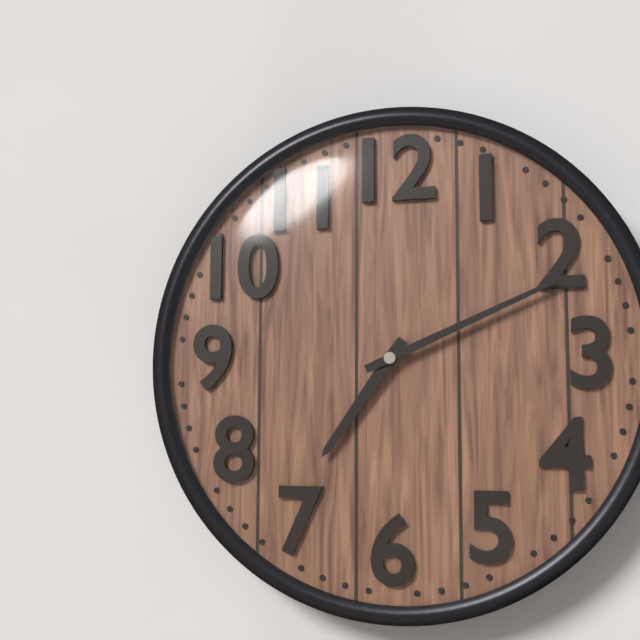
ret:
7,11
